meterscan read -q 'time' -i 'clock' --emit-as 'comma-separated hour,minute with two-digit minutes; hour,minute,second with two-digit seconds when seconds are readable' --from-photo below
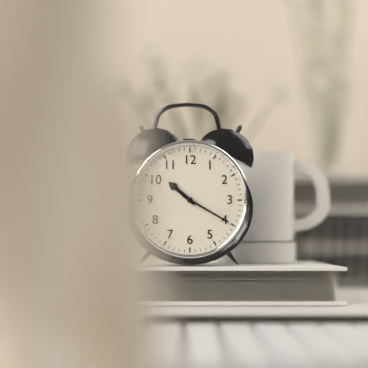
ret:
10,20
